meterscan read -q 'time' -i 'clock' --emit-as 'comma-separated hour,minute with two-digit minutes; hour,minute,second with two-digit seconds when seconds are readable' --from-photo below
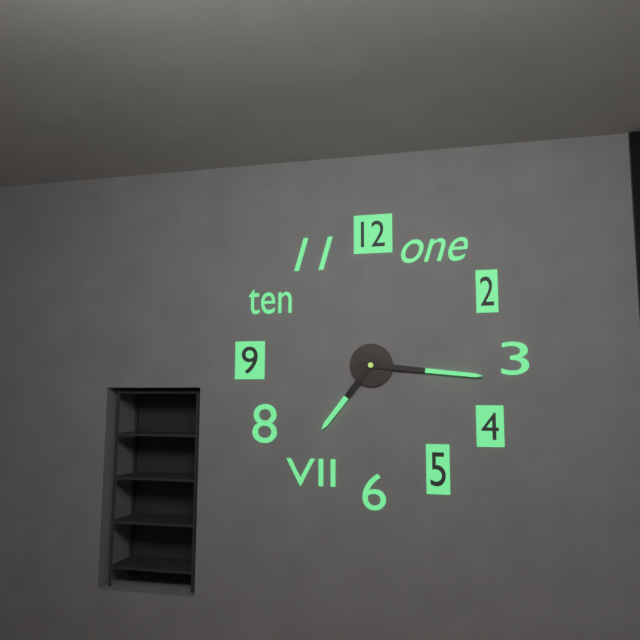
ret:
7,16
